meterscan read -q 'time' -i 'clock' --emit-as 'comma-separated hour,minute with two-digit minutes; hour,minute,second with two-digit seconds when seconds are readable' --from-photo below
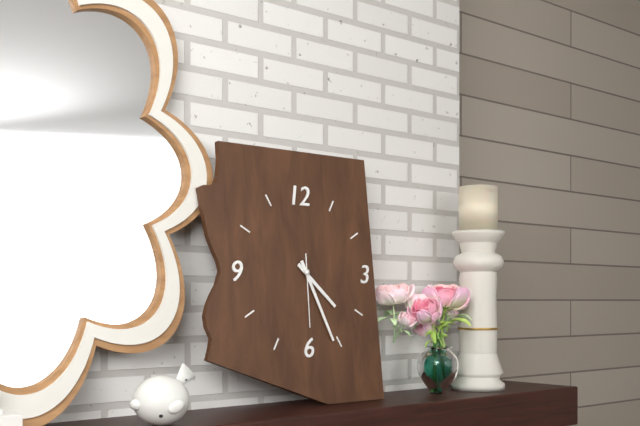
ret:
4,26,30
